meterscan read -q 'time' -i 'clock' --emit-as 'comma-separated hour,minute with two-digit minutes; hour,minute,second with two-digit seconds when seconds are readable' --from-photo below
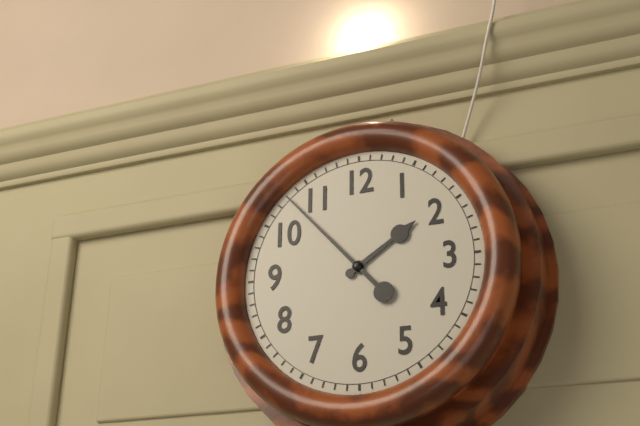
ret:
1,53
